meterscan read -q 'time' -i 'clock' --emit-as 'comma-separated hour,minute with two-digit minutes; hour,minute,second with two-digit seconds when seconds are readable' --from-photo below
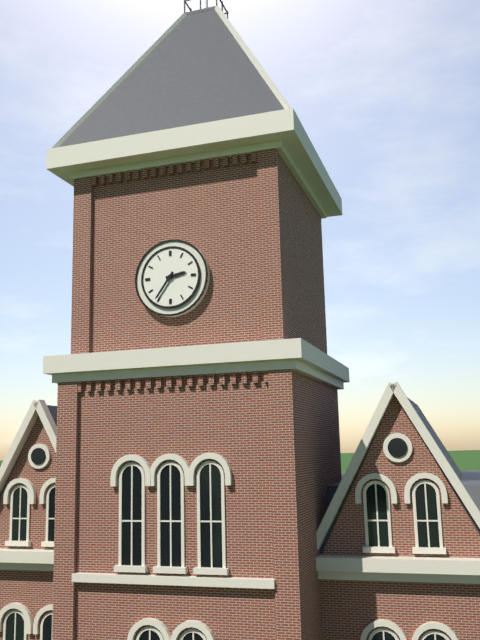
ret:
2,36
